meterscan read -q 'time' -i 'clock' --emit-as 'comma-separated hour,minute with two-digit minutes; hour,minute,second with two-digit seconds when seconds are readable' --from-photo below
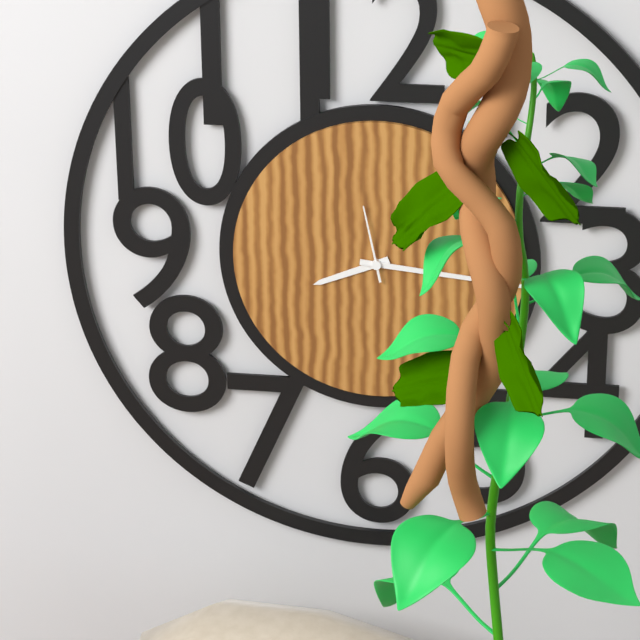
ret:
8,16,58
